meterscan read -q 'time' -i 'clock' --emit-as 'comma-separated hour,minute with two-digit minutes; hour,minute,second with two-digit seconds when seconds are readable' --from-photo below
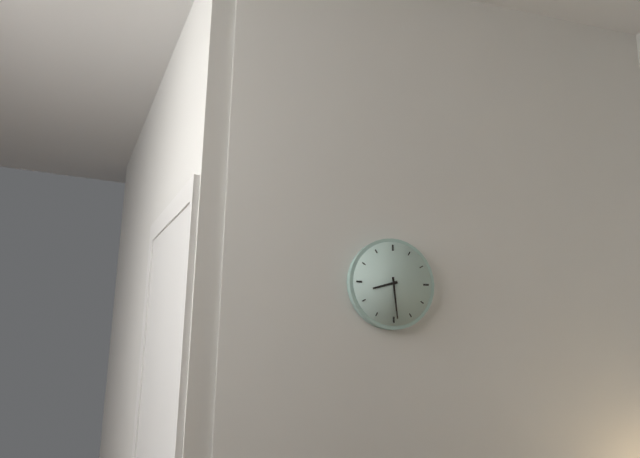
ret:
8,29
